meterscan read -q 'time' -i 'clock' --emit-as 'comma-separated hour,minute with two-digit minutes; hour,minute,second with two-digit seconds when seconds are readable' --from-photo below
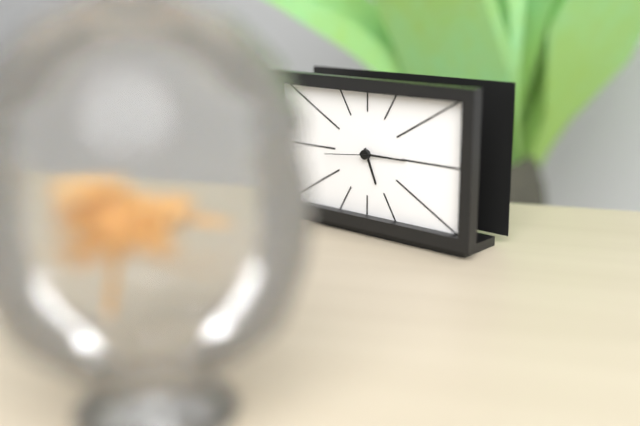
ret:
5,15
